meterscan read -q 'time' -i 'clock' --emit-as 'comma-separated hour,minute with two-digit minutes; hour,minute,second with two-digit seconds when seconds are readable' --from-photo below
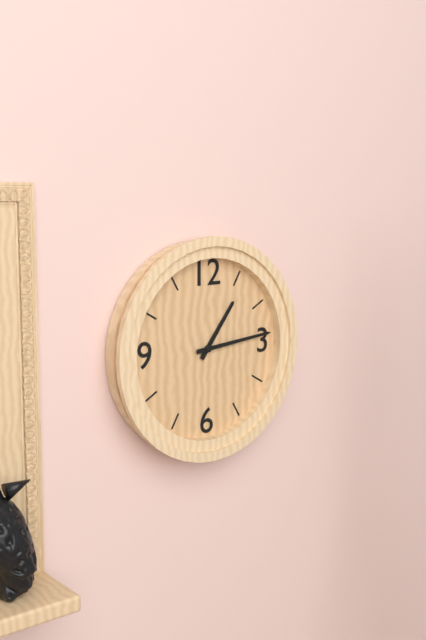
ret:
1,14
